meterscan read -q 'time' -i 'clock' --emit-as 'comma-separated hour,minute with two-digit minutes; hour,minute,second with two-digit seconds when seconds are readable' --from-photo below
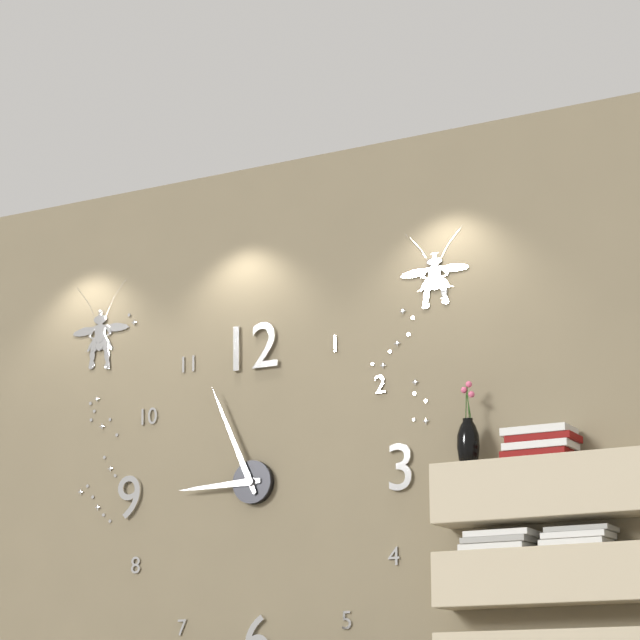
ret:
8,56
